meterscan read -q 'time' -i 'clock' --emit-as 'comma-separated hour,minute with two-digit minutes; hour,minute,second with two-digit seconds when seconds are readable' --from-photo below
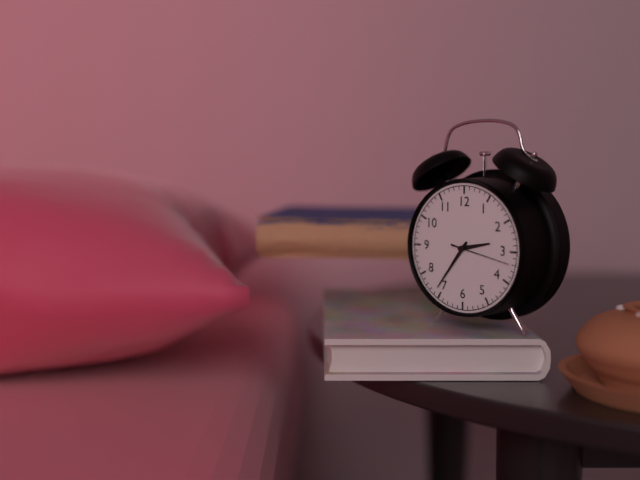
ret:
2,36,17
